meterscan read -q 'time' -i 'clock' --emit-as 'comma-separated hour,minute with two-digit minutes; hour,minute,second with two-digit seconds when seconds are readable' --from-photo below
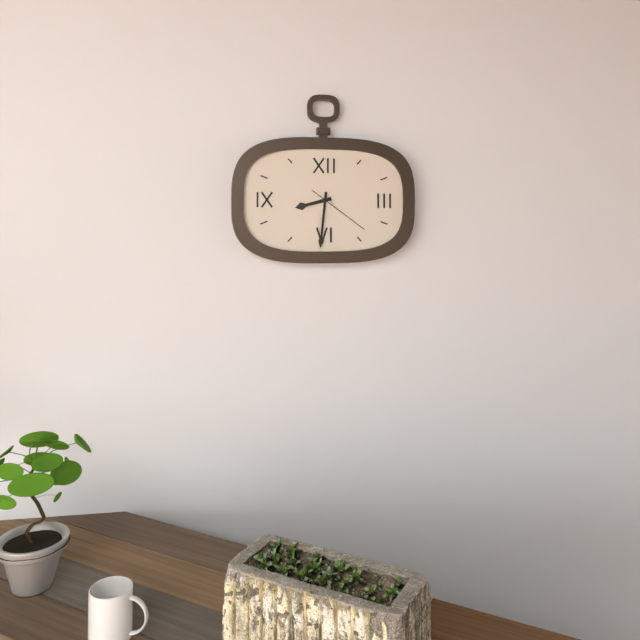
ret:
8,31,21
